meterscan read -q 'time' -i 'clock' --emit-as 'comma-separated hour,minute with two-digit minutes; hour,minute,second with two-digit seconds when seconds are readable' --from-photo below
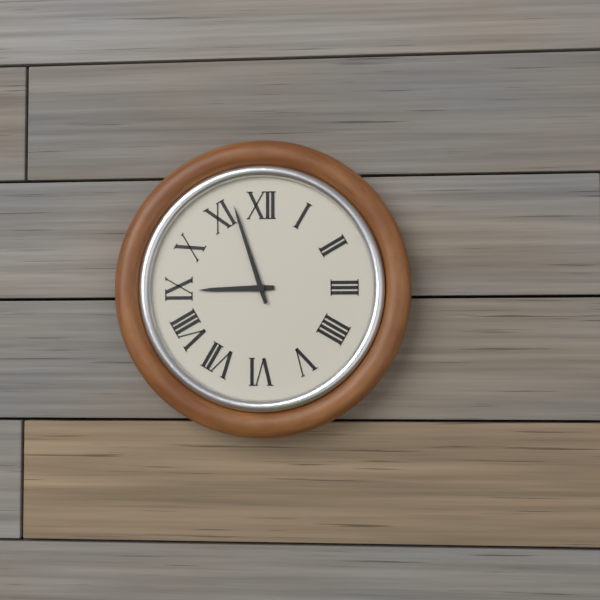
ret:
8,57
